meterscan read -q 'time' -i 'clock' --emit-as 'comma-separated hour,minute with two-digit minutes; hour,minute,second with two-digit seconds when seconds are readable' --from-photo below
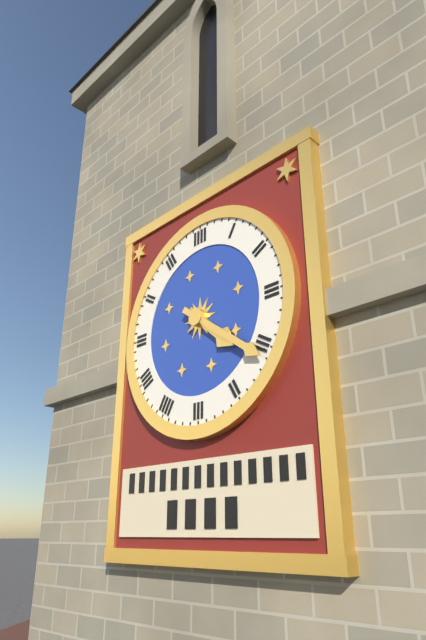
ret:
4,21
